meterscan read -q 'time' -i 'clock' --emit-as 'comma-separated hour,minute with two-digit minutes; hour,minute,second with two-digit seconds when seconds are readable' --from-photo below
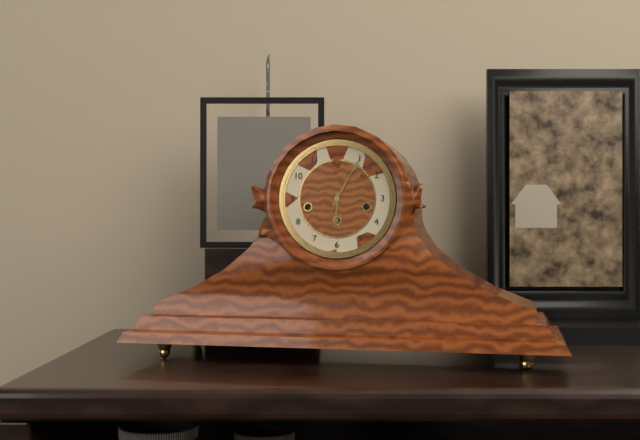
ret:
6,05
